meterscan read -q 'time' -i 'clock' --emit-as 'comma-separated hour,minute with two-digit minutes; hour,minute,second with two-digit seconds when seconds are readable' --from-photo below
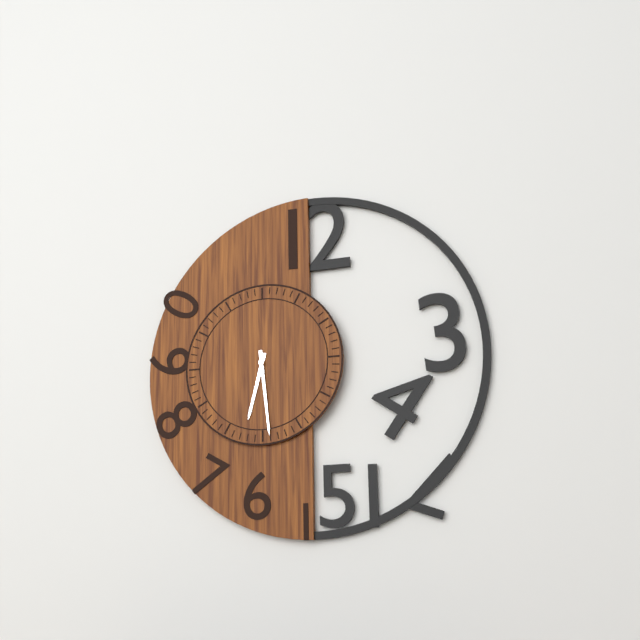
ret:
6,29
